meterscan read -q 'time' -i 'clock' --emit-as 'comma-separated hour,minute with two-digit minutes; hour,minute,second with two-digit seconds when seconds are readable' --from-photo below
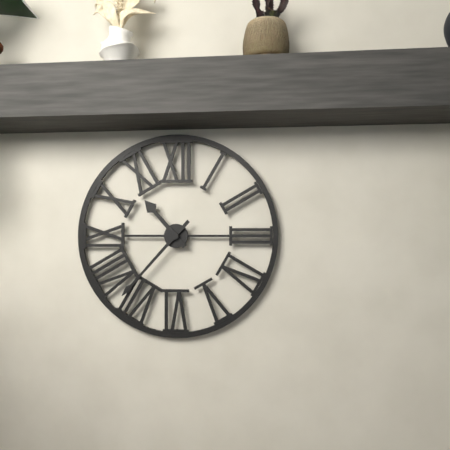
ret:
10,37
